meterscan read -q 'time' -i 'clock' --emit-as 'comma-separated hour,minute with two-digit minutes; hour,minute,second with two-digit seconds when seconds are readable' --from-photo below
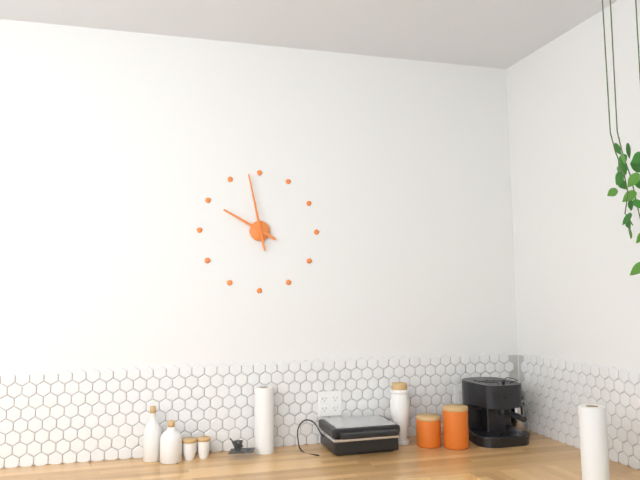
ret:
9,58
